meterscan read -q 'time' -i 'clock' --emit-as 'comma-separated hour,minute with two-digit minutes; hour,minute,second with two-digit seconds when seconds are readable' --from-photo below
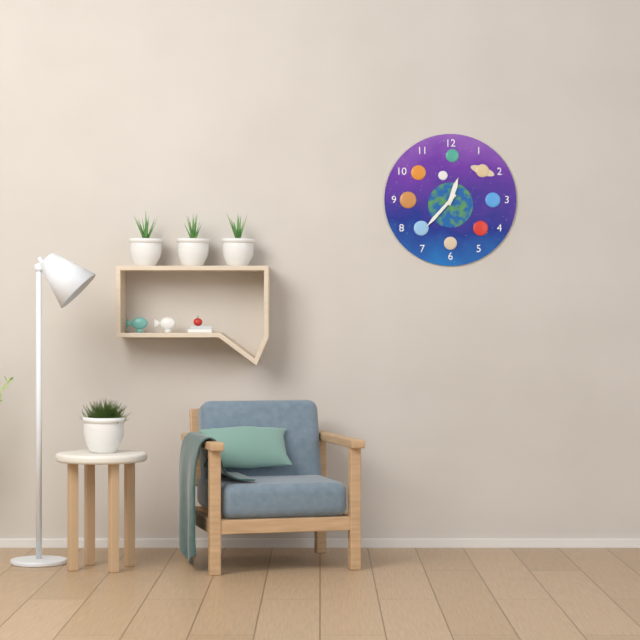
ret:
12,37
